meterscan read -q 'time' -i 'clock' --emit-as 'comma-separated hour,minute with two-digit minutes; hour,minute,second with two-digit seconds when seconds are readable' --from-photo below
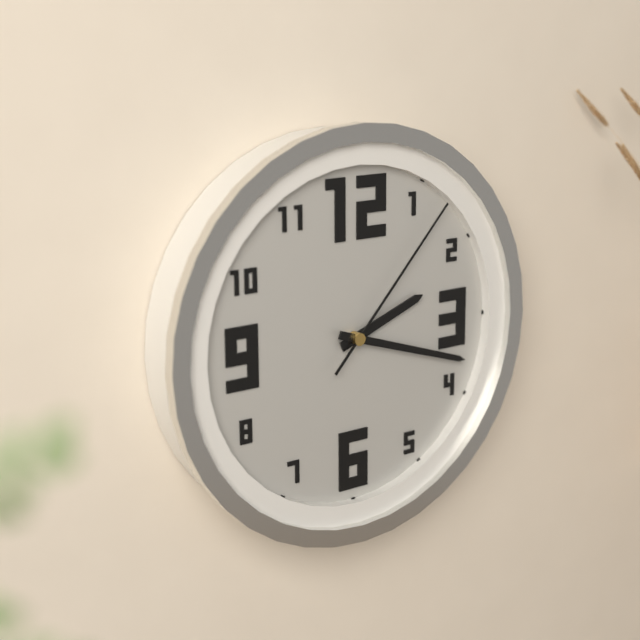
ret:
2,18,07
